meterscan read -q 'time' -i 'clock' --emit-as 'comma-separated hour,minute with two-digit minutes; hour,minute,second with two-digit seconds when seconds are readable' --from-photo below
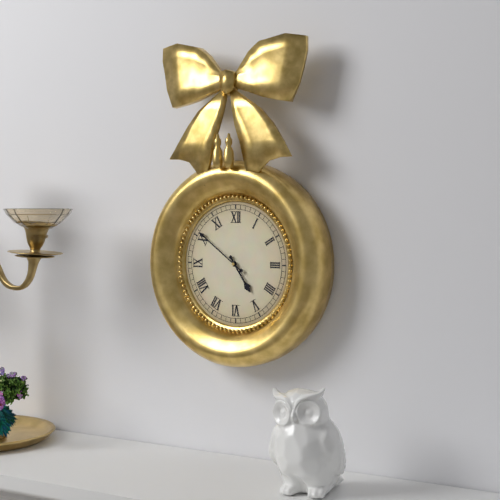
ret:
4,51
